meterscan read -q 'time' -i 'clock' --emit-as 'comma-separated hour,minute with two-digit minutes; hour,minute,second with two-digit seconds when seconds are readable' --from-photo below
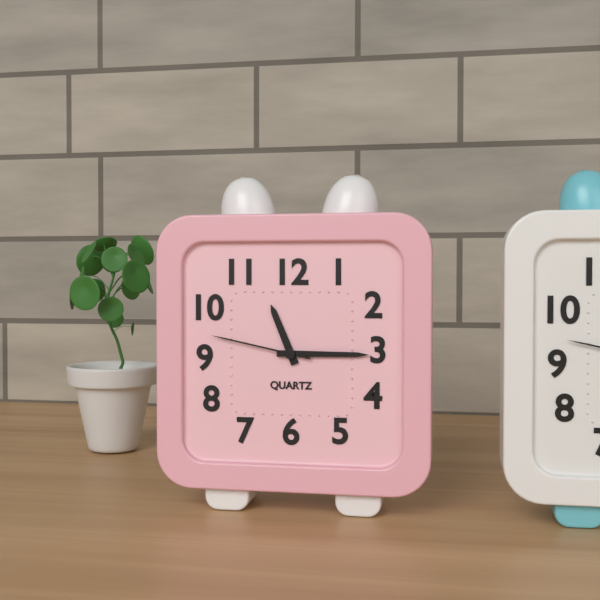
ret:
11,15,47
